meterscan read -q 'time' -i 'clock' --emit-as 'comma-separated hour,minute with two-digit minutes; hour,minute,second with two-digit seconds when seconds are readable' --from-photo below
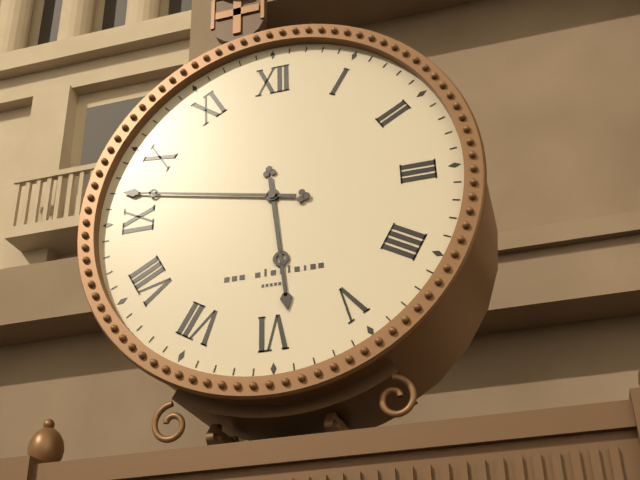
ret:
5,47
